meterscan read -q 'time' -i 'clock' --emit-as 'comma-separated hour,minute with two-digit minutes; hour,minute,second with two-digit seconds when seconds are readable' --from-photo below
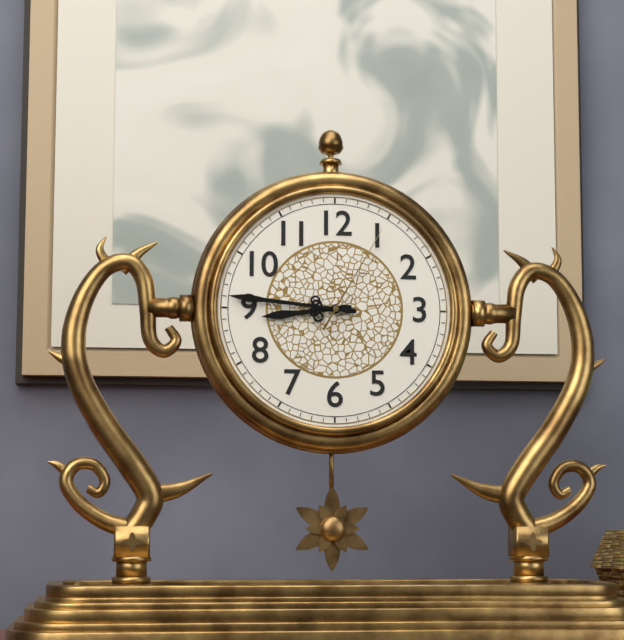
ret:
8,46,05
